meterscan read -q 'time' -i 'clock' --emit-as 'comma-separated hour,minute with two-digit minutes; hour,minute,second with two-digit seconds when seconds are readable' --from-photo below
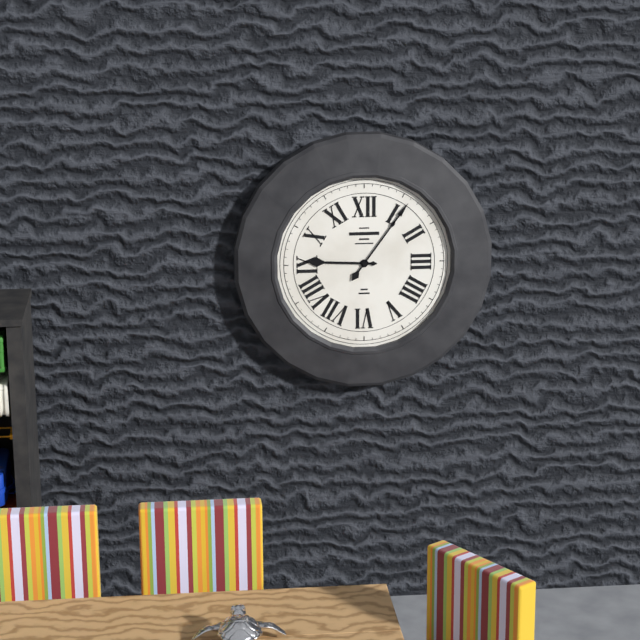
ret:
9,06
